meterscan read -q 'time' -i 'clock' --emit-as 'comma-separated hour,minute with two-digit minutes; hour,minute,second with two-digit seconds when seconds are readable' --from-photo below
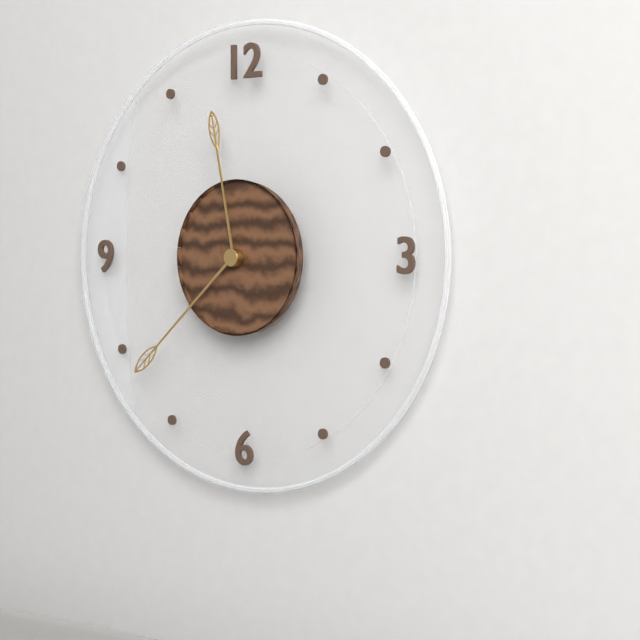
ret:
11,38
